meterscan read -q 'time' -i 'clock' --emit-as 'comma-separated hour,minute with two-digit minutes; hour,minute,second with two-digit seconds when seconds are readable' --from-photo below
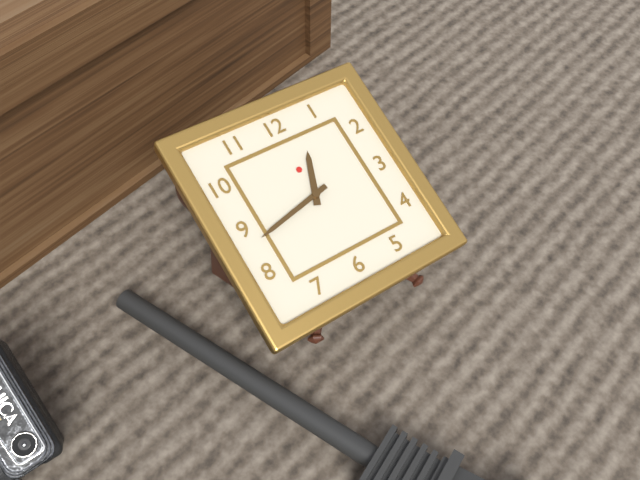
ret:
12,43
